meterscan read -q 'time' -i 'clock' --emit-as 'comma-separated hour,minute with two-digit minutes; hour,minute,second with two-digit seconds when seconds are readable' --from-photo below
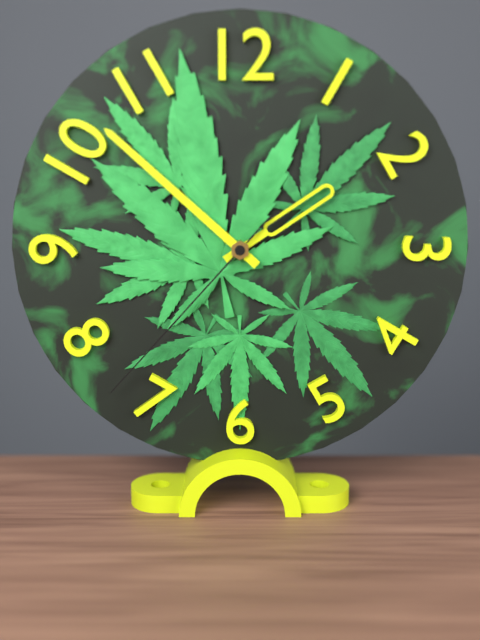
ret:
1,52,37
